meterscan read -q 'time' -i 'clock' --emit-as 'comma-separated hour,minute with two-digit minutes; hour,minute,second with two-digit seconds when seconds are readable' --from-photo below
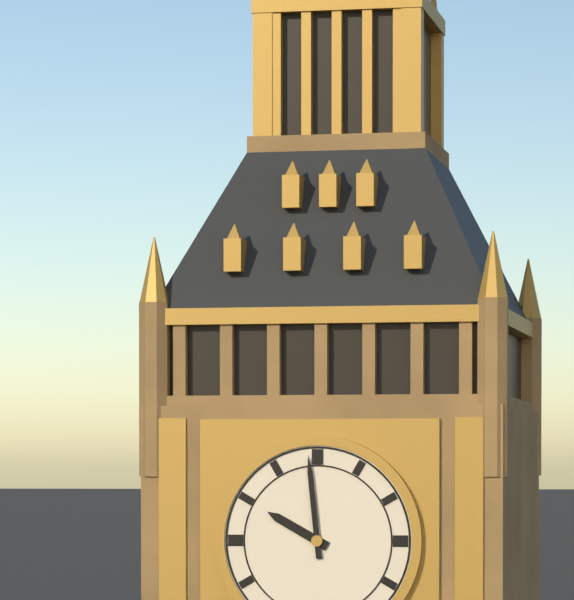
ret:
9,59
